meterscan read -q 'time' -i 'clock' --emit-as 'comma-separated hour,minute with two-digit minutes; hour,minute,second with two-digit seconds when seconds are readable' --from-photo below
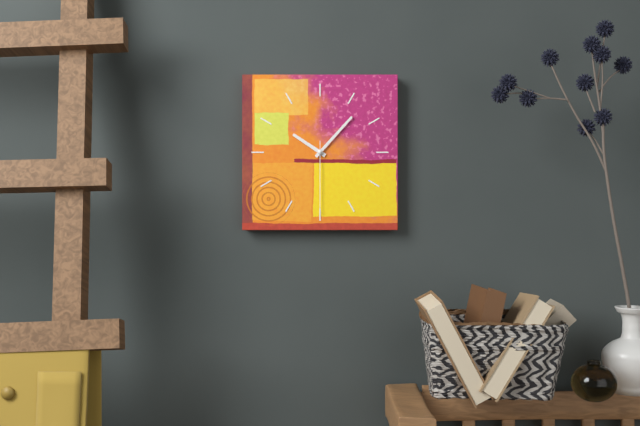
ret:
10,07,30
